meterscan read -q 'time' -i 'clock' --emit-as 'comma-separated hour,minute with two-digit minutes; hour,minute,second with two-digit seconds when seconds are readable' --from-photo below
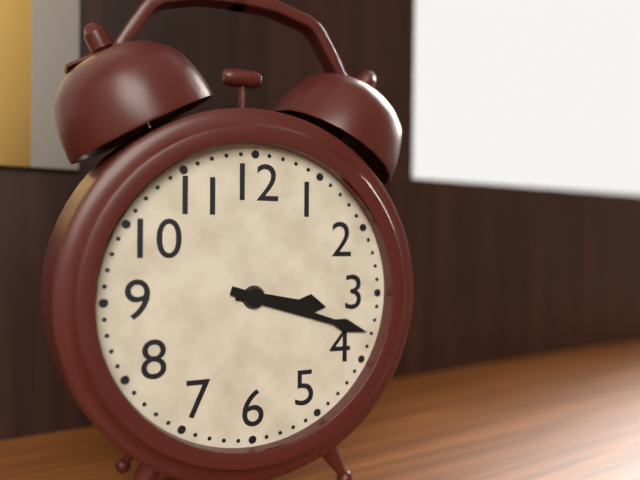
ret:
3,18
